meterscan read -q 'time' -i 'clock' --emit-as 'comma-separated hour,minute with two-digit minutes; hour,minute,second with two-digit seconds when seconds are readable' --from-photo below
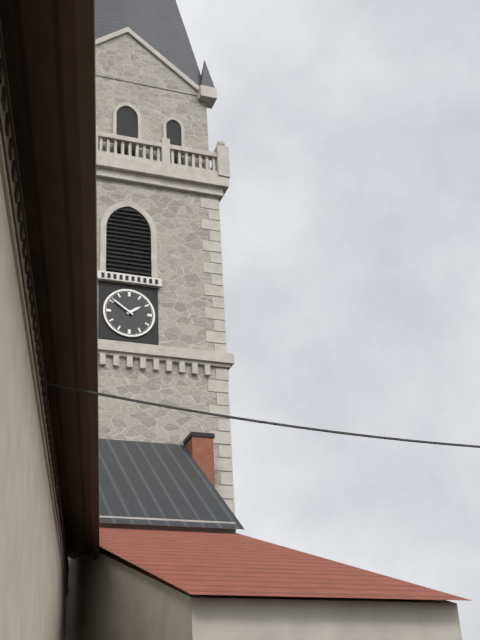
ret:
1,51
